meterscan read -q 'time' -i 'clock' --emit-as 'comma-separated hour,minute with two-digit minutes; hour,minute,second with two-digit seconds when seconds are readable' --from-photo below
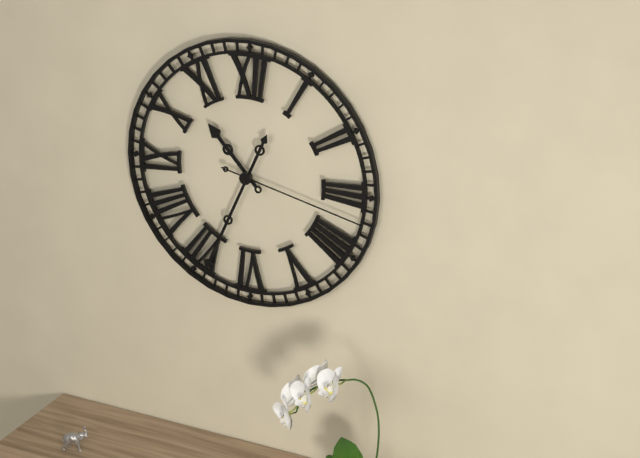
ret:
10,34,17
